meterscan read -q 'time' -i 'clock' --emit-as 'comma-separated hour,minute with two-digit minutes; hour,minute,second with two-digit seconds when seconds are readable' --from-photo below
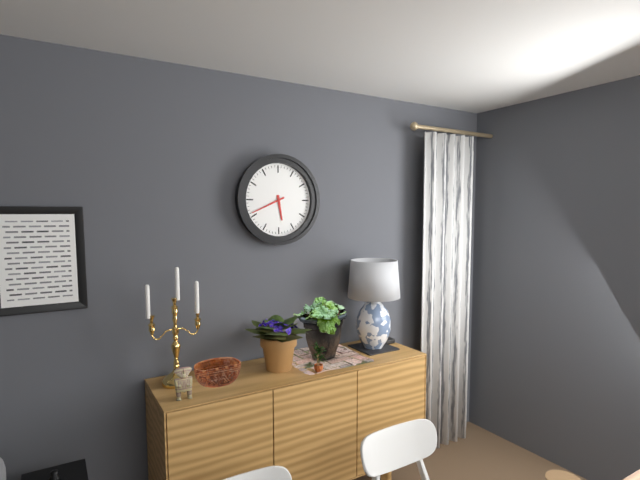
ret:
5,41
